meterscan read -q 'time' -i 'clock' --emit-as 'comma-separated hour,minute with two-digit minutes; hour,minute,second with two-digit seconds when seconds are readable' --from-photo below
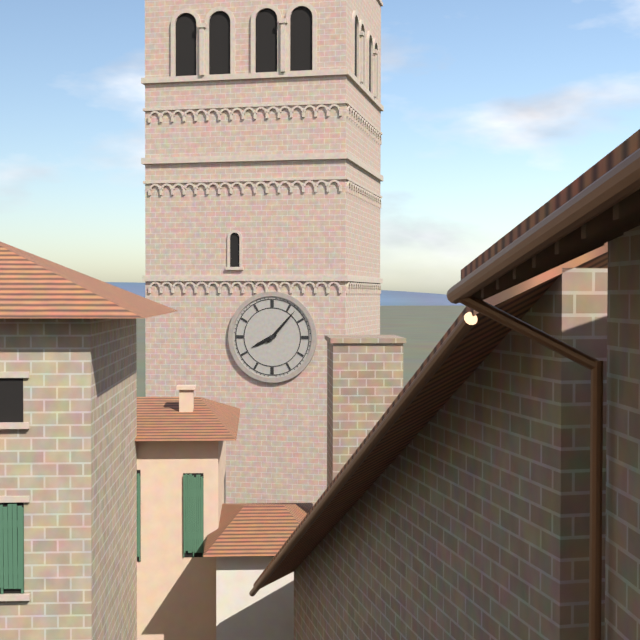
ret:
8,07
